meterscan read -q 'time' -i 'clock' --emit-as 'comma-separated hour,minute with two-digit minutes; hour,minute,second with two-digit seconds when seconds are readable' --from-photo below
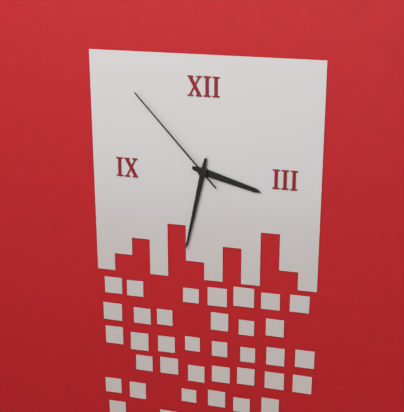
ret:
3,32,53
